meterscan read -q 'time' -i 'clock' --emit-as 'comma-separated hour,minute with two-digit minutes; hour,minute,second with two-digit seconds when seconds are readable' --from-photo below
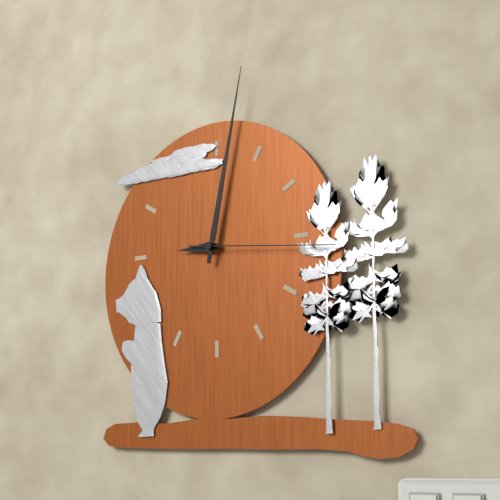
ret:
9,02,16
